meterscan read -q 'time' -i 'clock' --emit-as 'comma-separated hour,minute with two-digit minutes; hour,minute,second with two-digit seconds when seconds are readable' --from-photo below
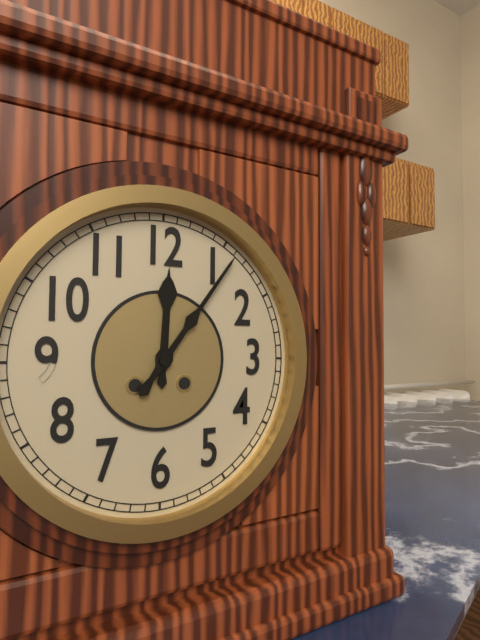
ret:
12,06
